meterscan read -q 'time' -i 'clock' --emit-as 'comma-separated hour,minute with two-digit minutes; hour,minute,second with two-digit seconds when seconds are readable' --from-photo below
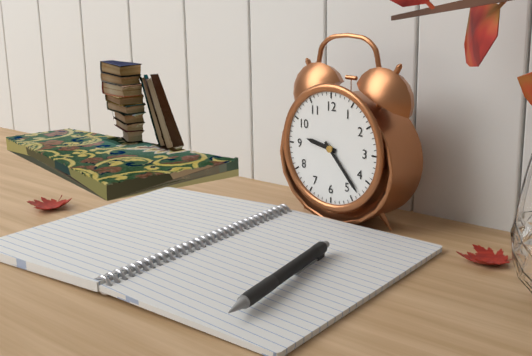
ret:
9,23
